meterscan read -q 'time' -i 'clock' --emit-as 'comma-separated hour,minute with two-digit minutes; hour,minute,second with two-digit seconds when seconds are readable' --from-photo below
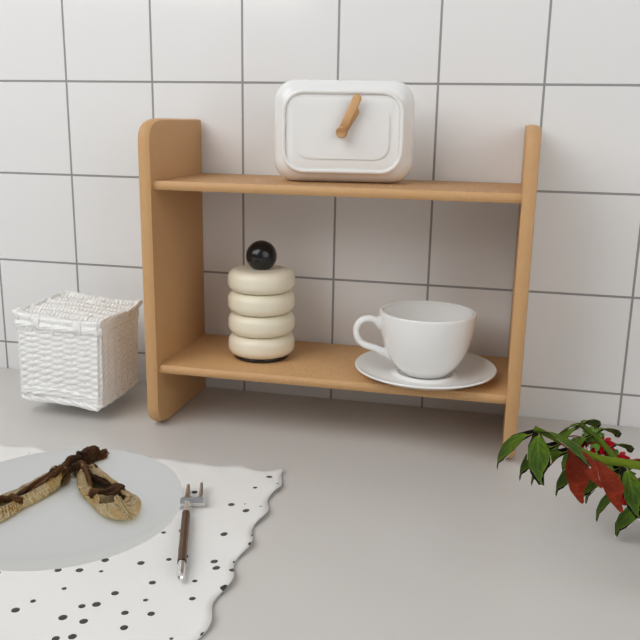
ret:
1,04
